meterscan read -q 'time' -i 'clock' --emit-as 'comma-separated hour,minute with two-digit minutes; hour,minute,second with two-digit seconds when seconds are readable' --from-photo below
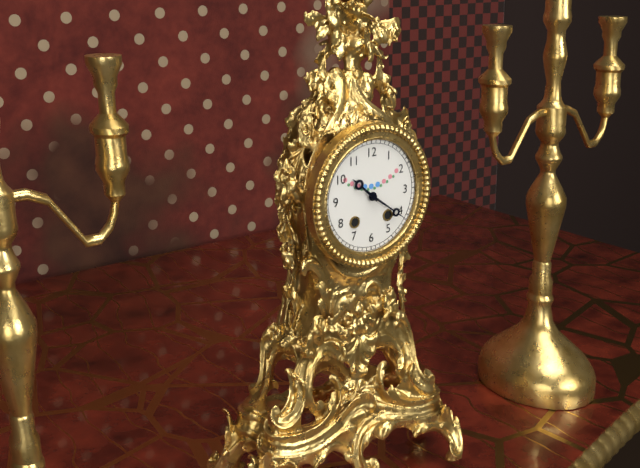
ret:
10,21
